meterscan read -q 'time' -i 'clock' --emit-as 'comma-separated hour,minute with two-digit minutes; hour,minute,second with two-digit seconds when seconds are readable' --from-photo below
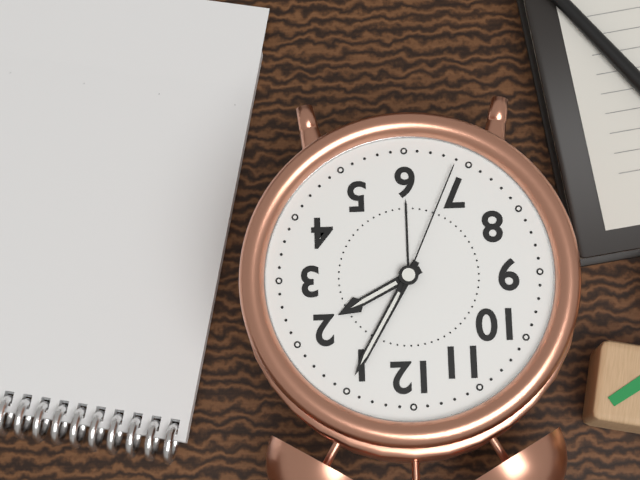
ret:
2,05,34
